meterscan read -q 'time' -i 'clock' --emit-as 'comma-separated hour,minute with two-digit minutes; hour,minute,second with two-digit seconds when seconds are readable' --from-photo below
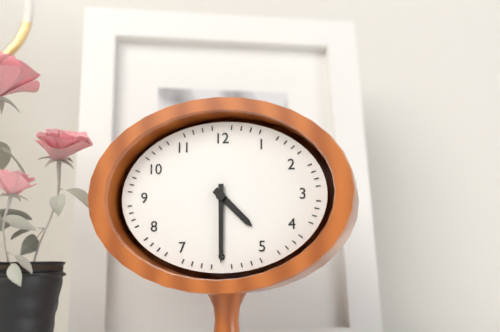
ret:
4,30
